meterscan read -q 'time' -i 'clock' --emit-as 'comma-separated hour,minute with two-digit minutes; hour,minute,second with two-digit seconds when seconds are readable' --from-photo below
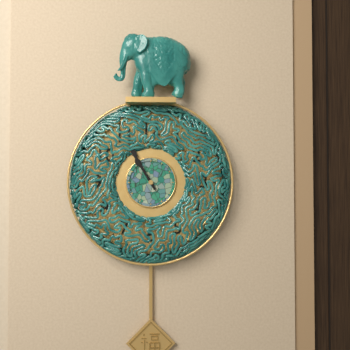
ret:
10,55
